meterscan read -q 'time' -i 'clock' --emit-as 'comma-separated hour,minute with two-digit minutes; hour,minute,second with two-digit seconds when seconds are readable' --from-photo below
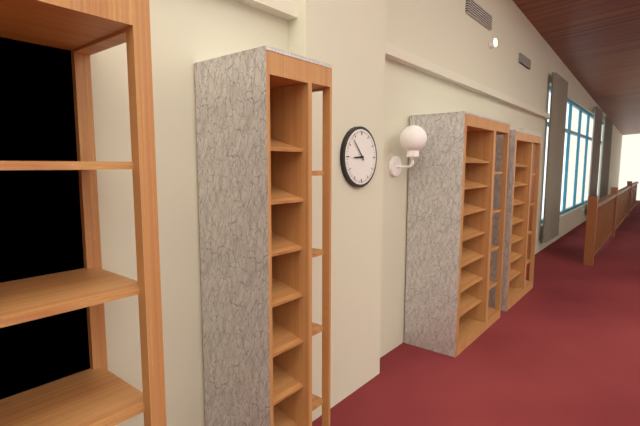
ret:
8,53
